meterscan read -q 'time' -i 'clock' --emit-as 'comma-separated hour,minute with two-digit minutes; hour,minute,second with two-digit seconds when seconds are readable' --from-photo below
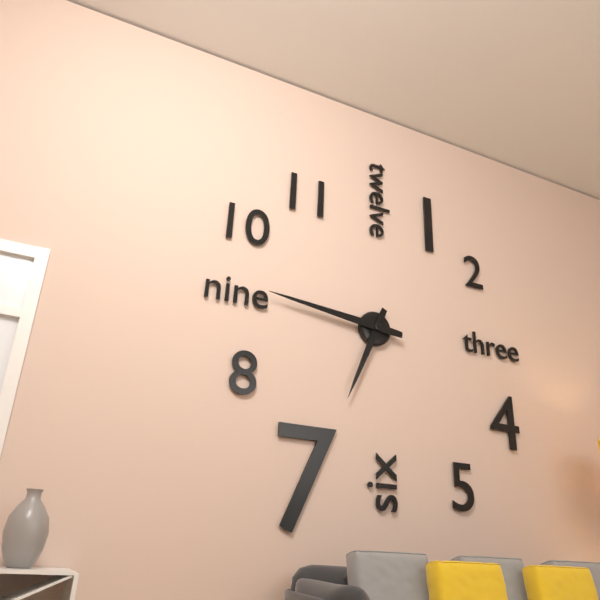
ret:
6,46
